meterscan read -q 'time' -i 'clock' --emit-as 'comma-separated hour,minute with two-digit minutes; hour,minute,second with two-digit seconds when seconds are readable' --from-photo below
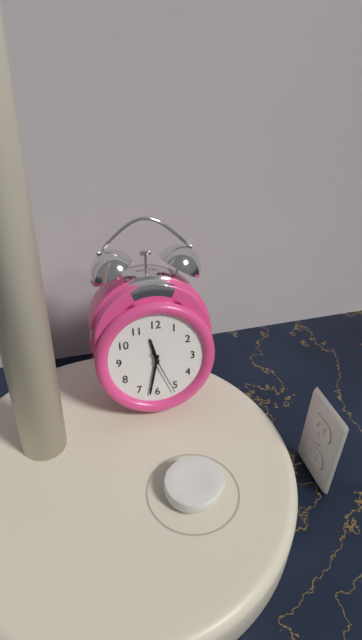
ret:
11,32
